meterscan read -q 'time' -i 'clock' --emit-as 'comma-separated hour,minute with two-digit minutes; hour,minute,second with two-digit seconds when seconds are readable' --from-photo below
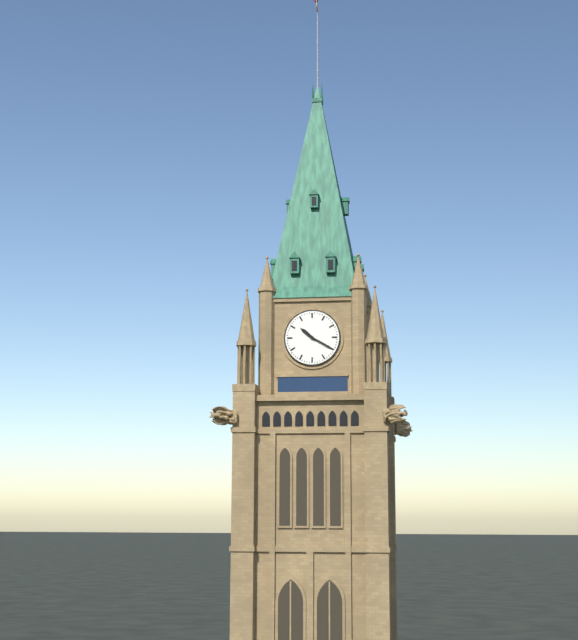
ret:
10,20
